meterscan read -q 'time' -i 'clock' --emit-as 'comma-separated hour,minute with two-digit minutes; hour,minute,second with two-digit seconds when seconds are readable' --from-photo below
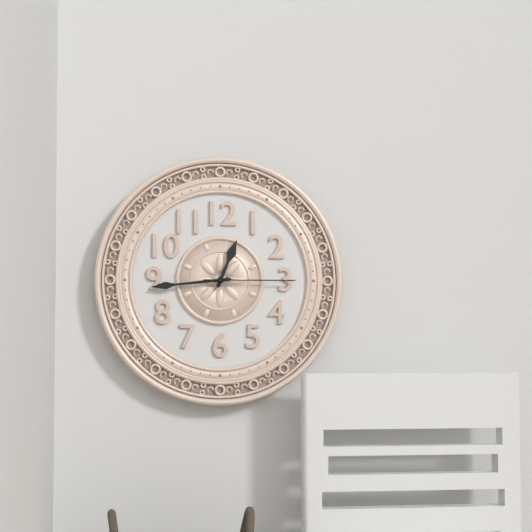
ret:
12,44,15
